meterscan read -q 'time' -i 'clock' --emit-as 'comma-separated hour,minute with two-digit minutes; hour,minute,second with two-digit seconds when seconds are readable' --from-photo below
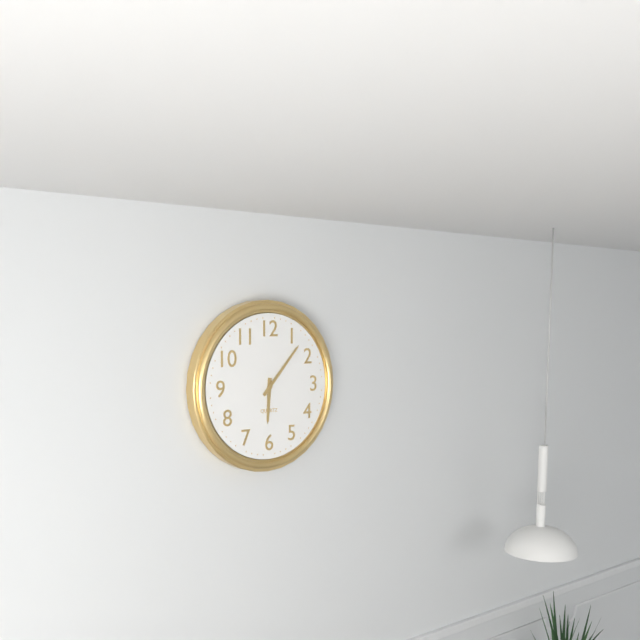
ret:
6,07
